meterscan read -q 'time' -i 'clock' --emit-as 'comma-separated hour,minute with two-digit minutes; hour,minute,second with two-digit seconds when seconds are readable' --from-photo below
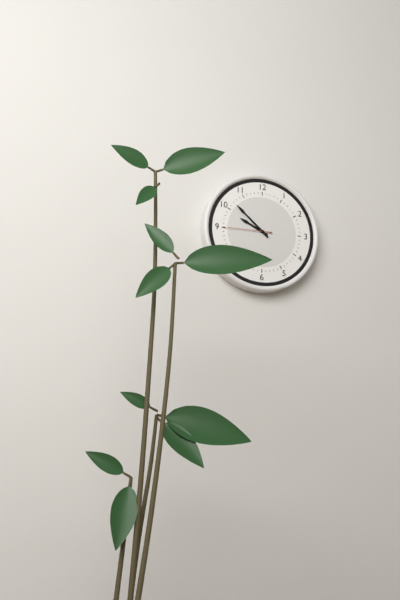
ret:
9,52,45
